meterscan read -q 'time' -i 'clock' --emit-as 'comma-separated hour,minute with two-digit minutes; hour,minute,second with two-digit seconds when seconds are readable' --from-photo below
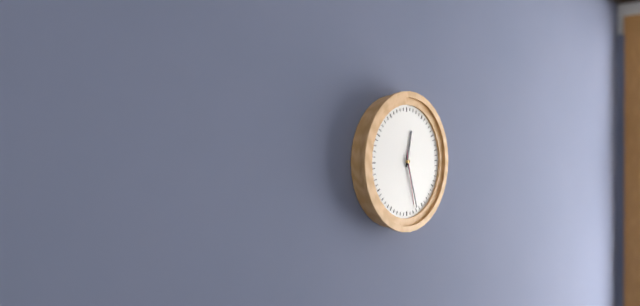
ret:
12,27,28
